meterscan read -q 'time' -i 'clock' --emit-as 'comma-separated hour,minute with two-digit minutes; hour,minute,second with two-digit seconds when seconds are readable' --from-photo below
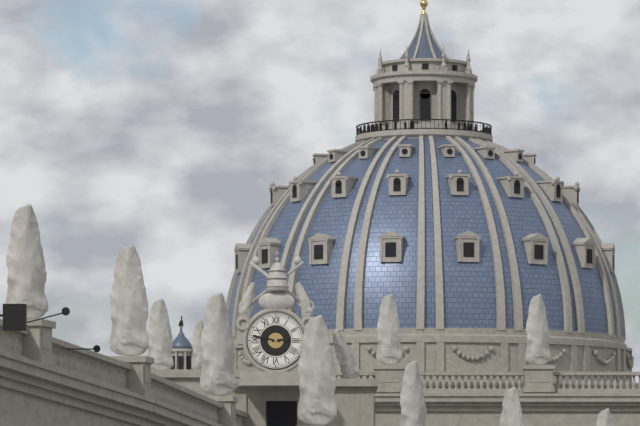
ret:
2,47
